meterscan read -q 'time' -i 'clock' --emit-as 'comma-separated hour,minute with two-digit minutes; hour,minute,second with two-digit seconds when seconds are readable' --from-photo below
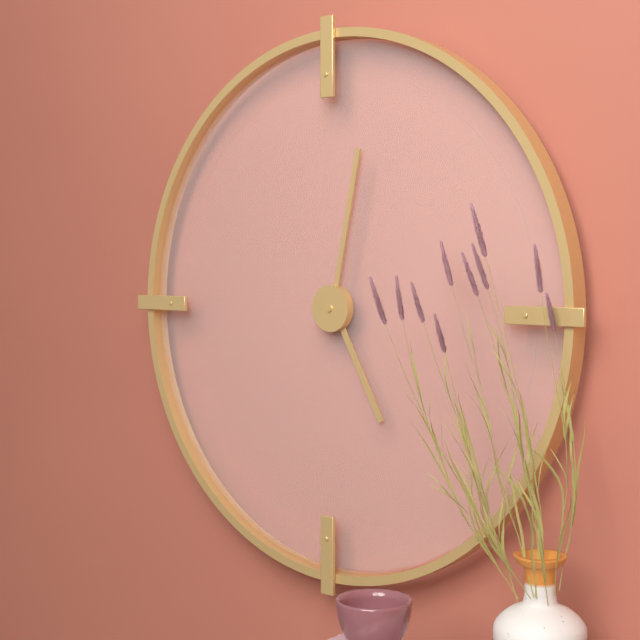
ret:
5,02
